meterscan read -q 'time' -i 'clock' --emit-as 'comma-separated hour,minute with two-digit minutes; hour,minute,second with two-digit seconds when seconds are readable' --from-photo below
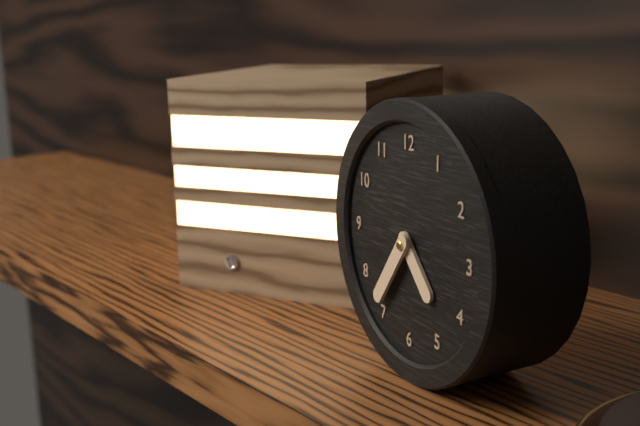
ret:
4,36
